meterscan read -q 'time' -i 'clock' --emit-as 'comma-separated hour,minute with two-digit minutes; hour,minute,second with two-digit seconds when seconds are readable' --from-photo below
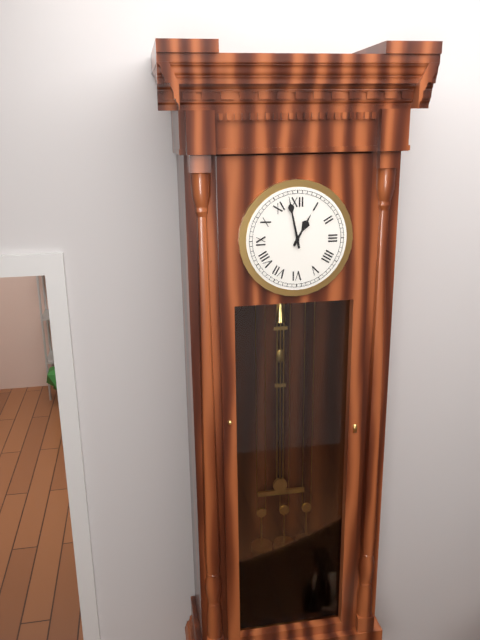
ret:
12,58
